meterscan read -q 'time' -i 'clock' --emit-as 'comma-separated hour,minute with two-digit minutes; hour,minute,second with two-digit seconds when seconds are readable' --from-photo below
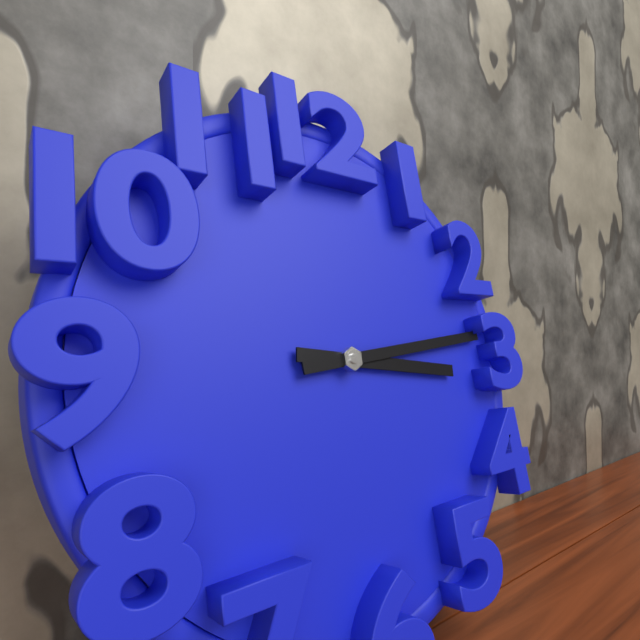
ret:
3,14
